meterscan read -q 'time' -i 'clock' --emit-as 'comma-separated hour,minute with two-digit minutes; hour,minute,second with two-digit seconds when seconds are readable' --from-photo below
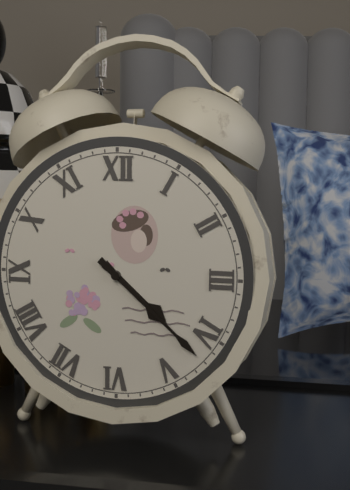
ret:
4,22
